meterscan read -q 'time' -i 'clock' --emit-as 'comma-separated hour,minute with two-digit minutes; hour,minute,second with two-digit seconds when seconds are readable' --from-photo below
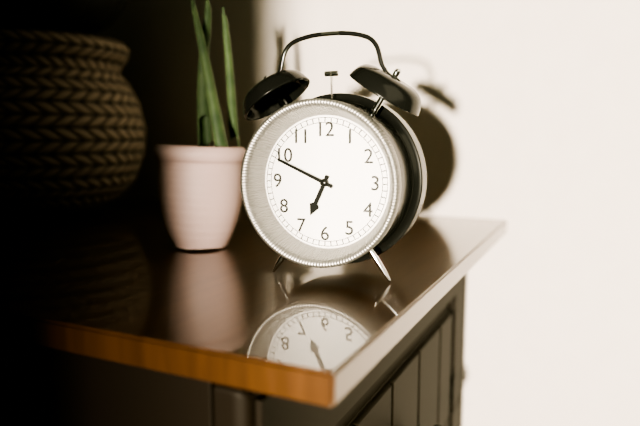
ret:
6,49
